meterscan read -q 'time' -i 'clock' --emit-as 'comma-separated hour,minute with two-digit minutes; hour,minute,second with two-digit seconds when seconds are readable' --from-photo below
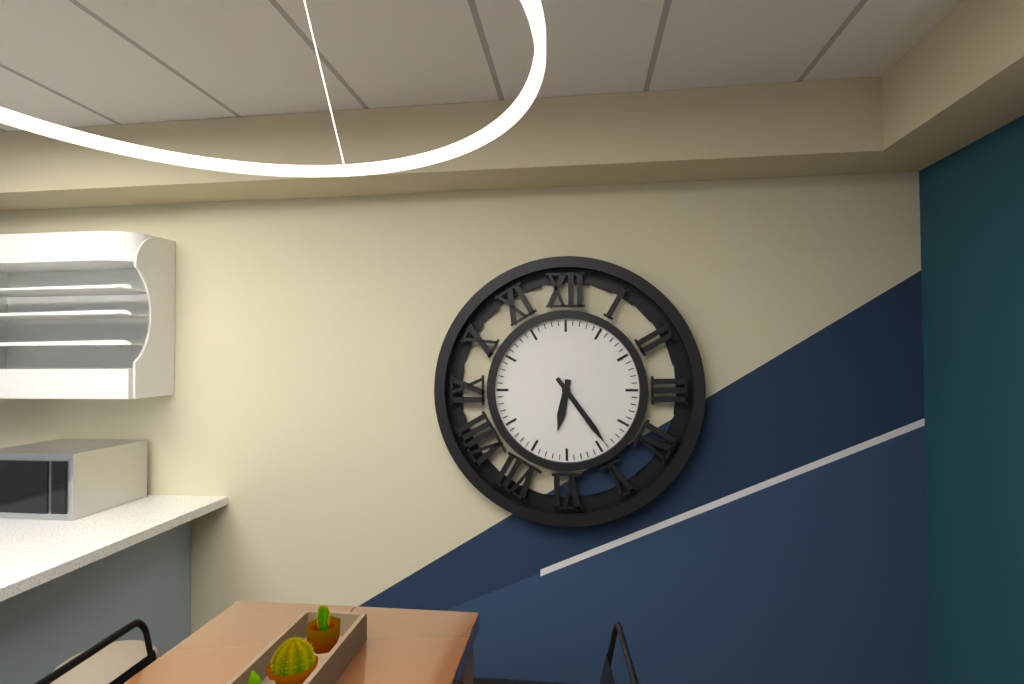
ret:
6,24
